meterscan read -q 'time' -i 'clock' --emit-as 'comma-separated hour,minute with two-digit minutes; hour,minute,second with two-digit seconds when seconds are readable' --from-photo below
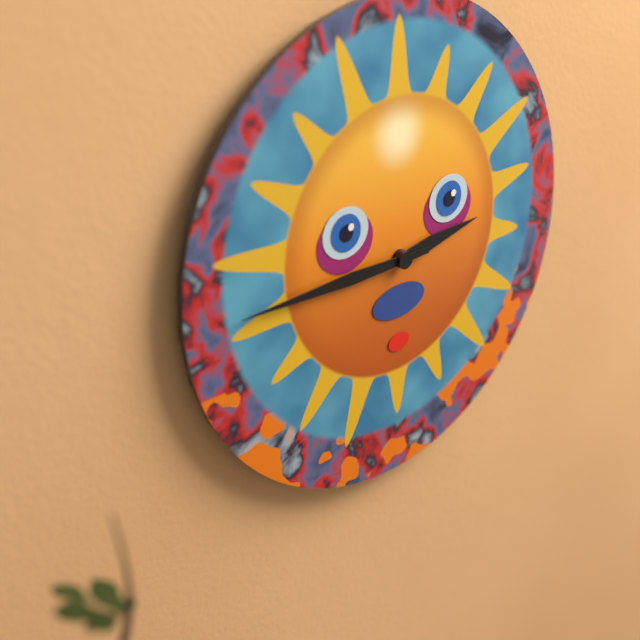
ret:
2,45
